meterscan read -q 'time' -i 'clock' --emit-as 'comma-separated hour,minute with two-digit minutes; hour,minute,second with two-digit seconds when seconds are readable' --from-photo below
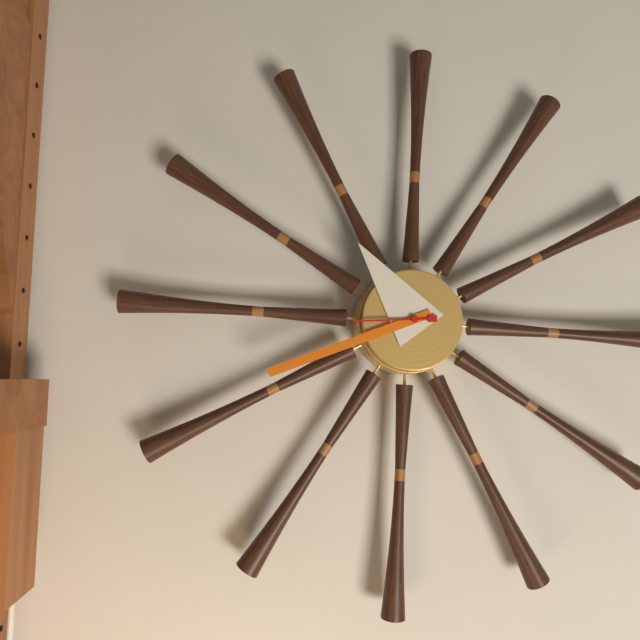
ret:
10,41,44
